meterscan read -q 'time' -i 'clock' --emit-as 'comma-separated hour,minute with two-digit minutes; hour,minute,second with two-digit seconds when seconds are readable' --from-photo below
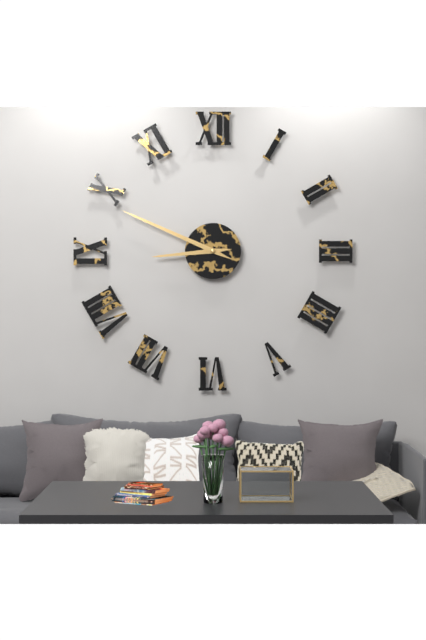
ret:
8,49
